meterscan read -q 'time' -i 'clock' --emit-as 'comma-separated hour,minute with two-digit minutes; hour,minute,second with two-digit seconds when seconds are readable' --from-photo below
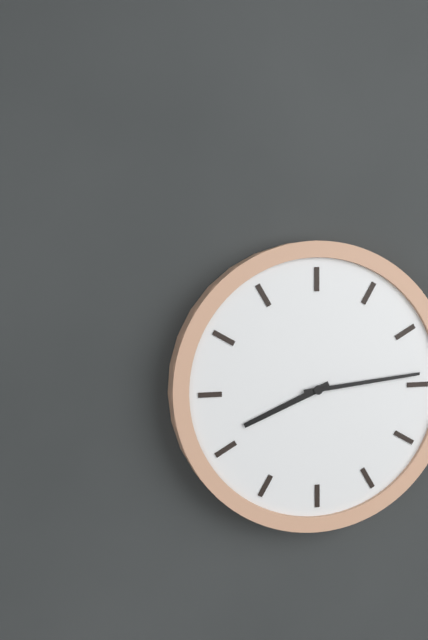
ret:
8,14
